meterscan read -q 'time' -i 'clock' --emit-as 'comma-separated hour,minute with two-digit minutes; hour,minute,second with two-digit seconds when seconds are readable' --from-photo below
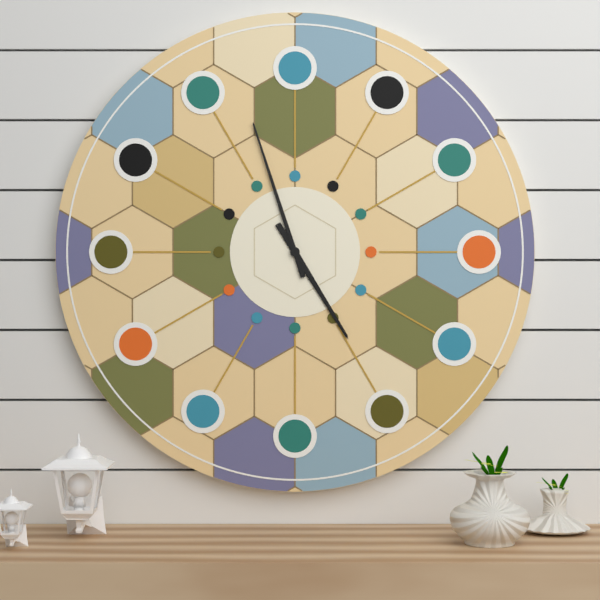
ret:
4,57
